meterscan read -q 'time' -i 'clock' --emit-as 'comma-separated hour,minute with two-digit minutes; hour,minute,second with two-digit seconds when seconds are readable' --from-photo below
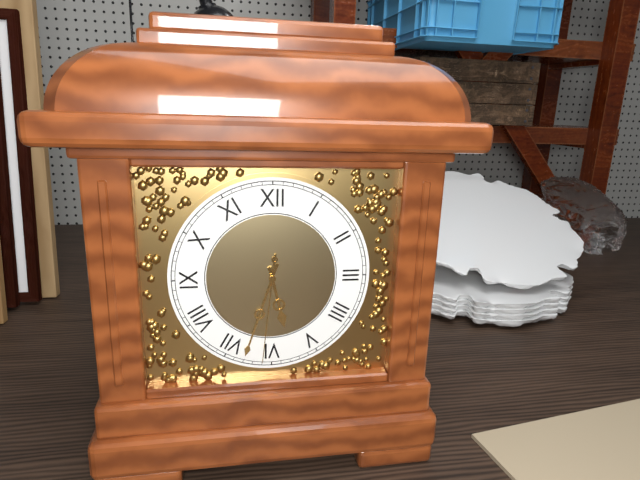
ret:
5,33,31
